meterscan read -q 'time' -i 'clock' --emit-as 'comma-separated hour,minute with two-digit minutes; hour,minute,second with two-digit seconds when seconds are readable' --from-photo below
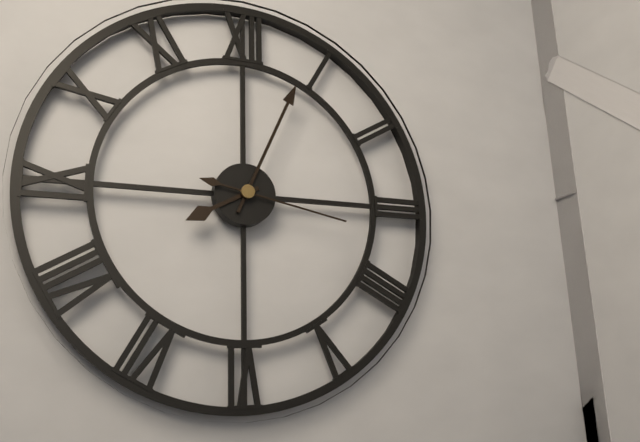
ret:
8,04,17
